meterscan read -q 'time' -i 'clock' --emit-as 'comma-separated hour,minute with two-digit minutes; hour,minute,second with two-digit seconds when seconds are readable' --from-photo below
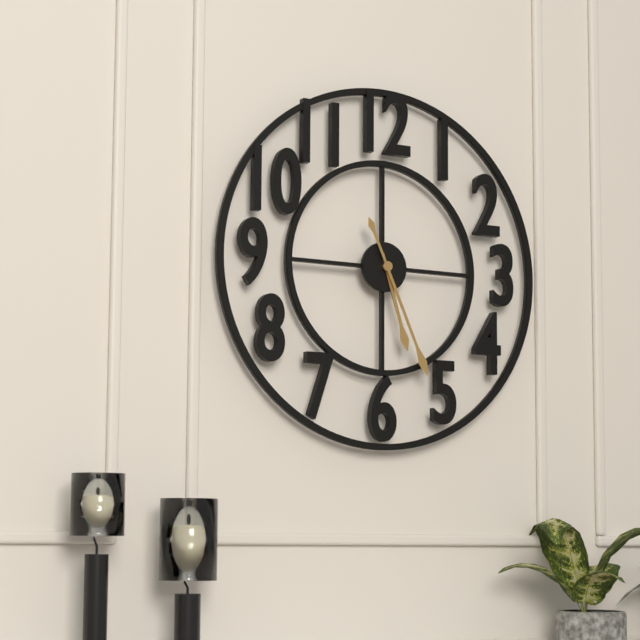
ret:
5,26
